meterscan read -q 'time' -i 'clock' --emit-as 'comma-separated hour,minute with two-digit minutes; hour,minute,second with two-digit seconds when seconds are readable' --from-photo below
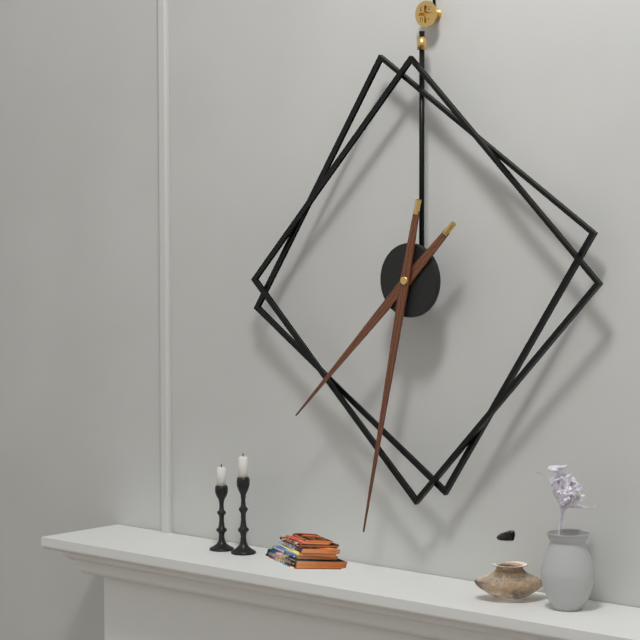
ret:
7,32
